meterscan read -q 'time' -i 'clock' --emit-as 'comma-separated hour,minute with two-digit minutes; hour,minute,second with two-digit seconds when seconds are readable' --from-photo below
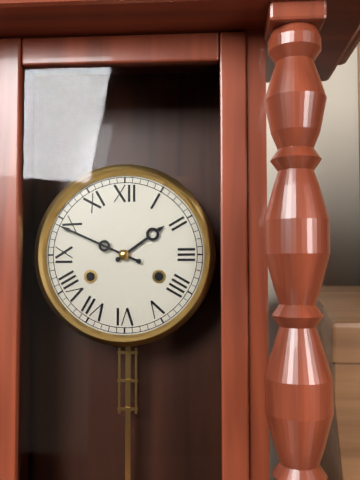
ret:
1,49
